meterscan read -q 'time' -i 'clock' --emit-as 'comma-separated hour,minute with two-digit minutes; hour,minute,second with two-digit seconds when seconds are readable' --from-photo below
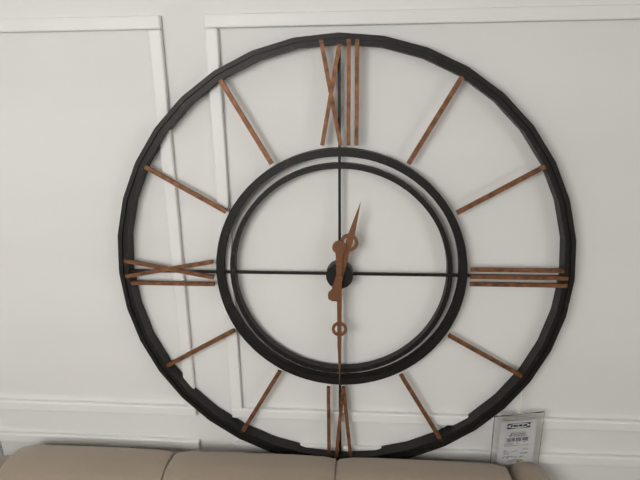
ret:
12,30
